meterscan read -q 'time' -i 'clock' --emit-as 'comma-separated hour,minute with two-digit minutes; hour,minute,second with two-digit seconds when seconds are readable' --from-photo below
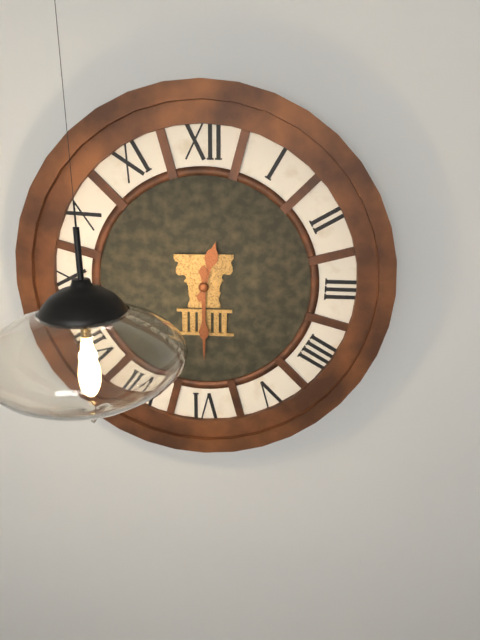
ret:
12,30
